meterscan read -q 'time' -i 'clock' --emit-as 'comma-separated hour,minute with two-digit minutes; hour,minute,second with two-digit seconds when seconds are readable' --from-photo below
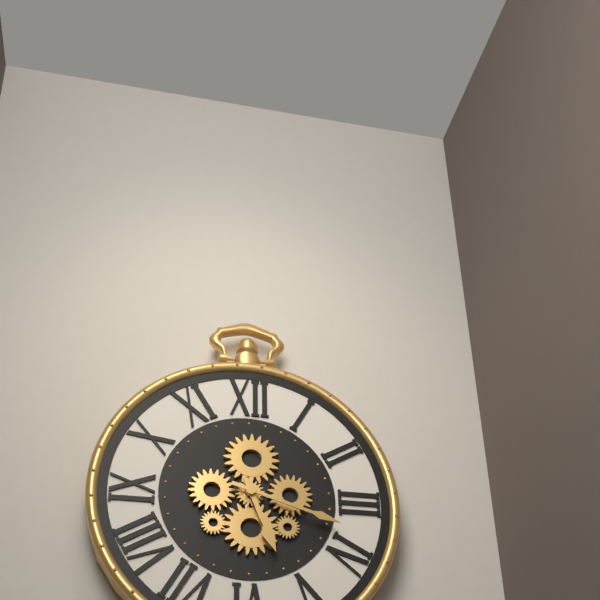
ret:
5,18
